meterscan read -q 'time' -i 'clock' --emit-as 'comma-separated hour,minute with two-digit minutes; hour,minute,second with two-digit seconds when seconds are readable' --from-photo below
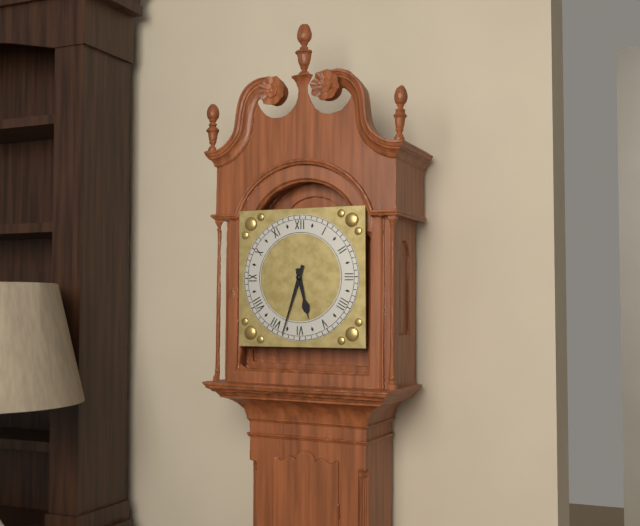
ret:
5,33
